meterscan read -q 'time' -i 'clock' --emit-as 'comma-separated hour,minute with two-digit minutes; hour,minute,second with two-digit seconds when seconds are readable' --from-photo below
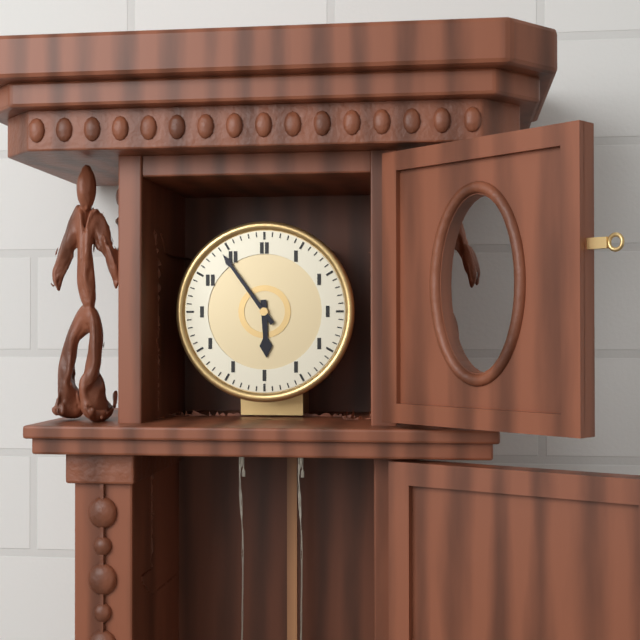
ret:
5,54
